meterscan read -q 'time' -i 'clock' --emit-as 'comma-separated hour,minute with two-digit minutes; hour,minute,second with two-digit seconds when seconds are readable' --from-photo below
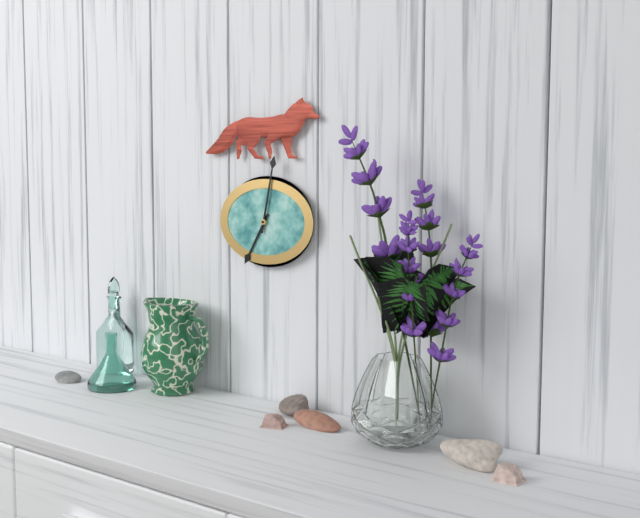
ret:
7,02
